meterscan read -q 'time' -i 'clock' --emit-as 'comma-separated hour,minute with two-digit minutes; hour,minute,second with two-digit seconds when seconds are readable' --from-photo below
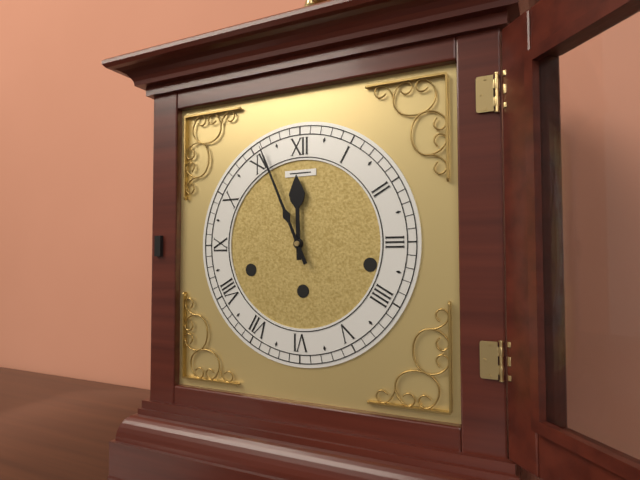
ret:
11,56
